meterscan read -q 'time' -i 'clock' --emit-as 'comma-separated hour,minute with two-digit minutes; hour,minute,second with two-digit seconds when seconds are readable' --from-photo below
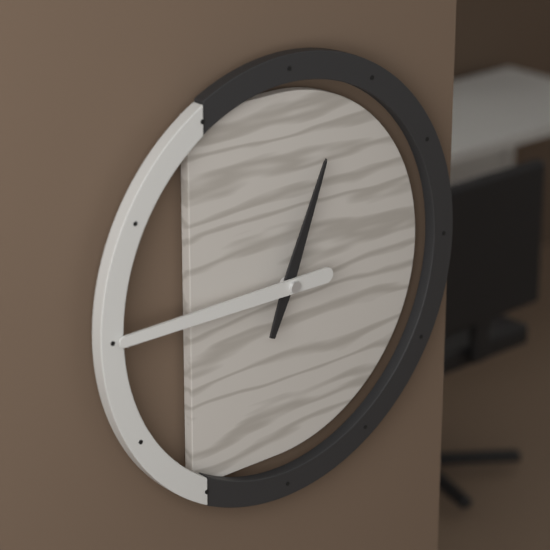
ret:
12,45
